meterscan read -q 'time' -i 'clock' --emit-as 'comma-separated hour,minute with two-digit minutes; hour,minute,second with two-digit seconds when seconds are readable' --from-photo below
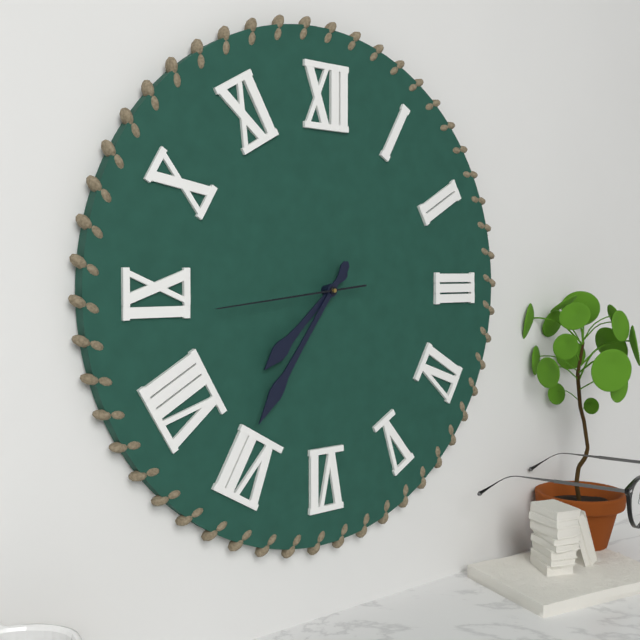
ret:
7,36,44
